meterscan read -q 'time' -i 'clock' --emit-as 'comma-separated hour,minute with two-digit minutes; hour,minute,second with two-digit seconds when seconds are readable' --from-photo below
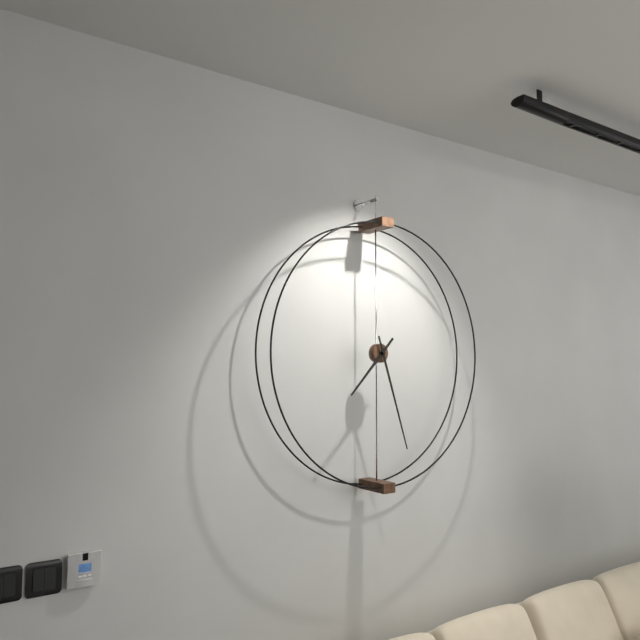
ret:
7,27
